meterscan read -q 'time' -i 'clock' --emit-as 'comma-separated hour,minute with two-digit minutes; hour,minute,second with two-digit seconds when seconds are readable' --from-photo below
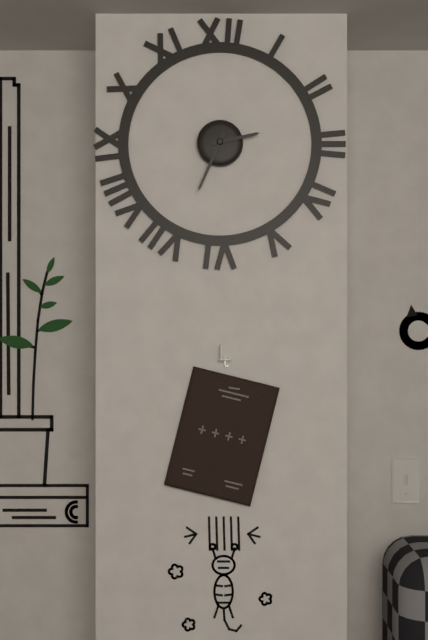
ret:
2,34
